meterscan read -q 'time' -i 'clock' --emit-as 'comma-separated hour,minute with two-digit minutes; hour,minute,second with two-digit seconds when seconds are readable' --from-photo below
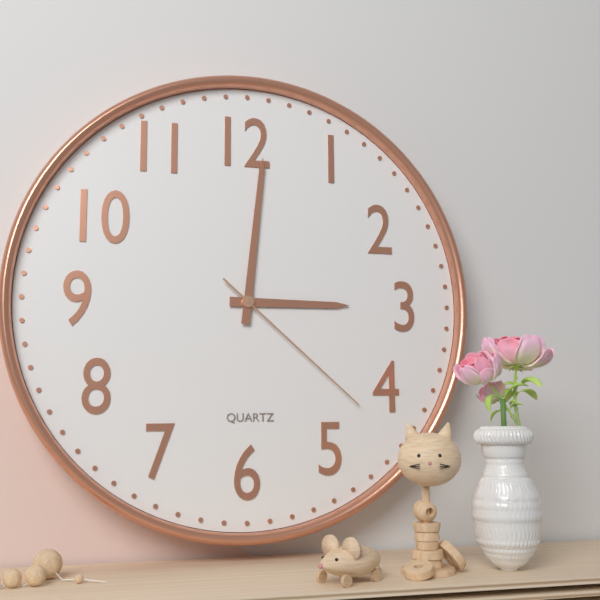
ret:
3,01,22
